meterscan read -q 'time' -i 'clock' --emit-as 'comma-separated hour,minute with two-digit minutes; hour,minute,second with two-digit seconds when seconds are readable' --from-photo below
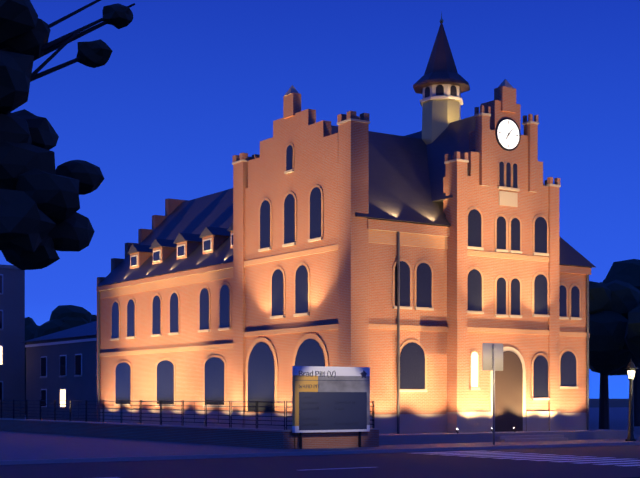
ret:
7,07
